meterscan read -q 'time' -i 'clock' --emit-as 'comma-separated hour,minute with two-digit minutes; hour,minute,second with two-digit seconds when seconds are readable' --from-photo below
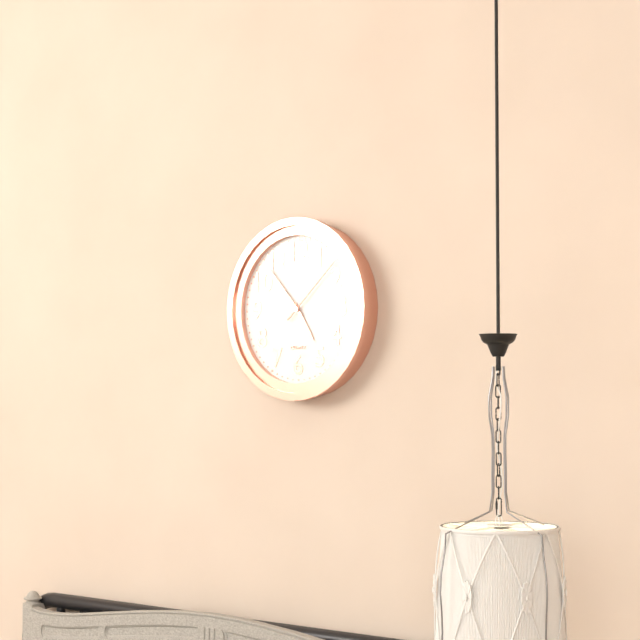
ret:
4,53,08
